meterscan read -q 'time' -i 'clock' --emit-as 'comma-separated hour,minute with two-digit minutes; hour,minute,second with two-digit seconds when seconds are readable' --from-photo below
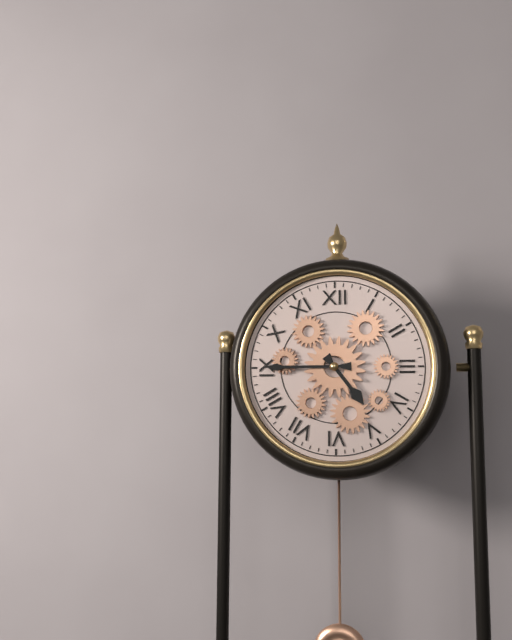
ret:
4,45
